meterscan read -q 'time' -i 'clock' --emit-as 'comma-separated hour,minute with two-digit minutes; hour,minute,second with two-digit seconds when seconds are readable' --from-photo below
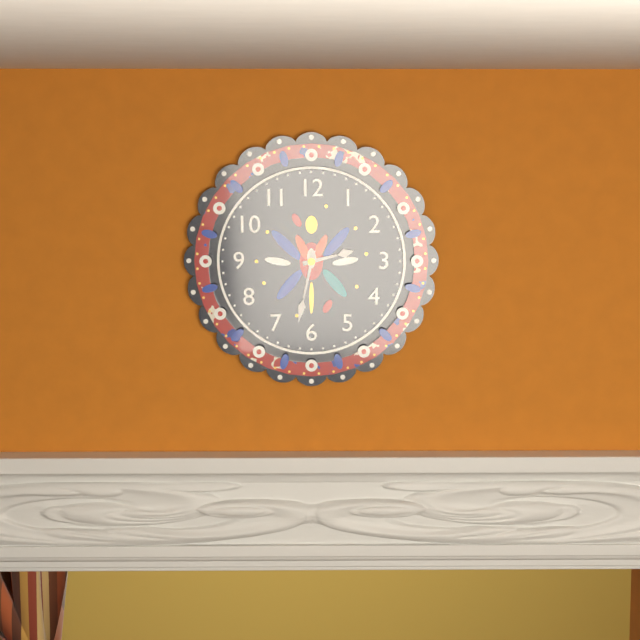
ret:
2,32
